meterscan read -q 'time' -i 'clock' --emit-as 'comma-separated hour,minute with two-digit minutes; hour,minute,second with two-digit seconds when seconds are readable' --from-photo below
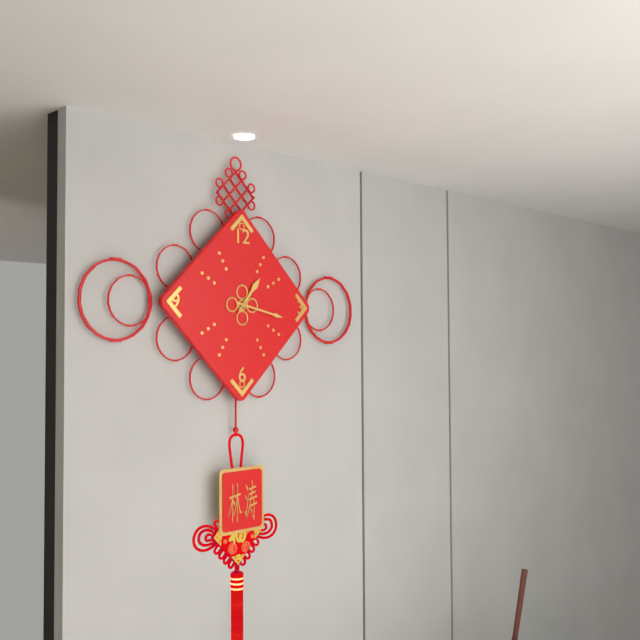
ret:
1,17
